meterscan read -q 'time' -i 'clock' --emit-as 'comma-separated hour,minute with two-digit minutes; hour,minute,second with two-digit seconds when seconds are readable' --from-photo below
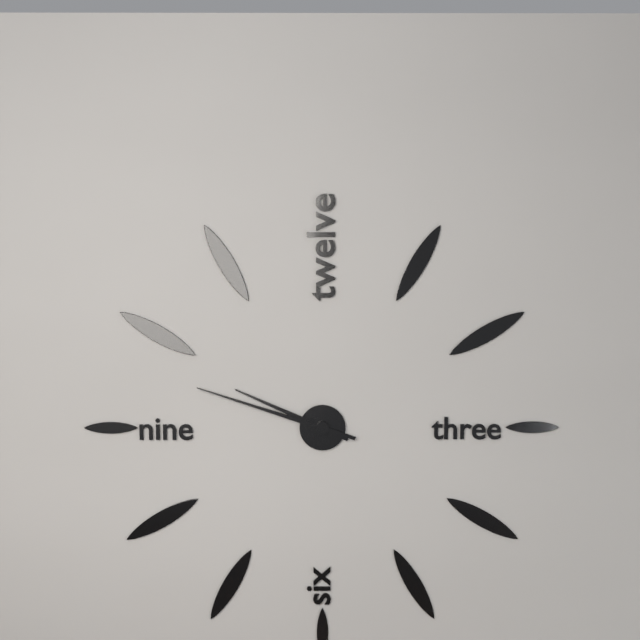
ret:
9,48
